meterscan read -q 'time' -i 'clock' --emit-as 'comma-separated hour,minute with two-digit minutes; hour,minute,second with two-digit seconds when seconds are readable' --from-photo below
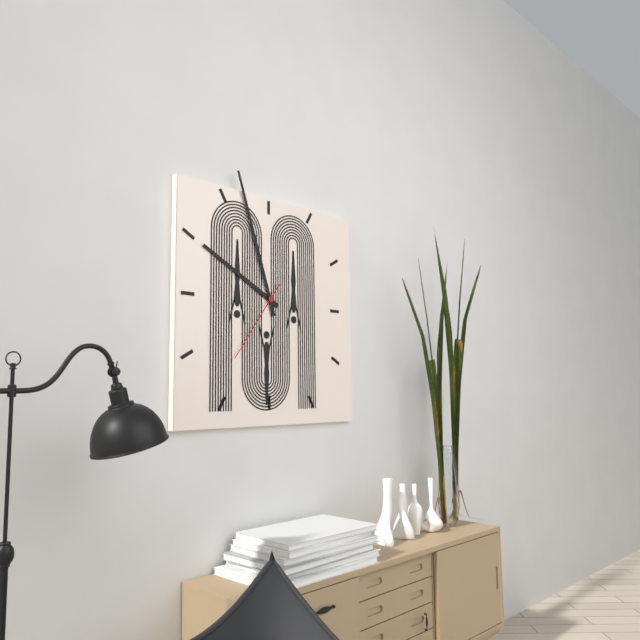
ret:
9,57,36
